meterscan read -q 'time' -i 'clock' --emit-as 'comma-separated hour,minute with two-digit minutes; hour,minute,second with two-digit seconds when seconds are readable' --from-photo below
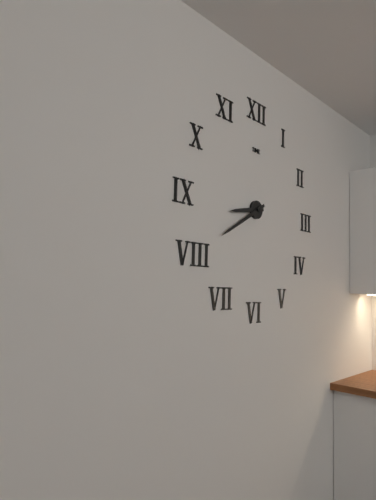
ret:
8,40
